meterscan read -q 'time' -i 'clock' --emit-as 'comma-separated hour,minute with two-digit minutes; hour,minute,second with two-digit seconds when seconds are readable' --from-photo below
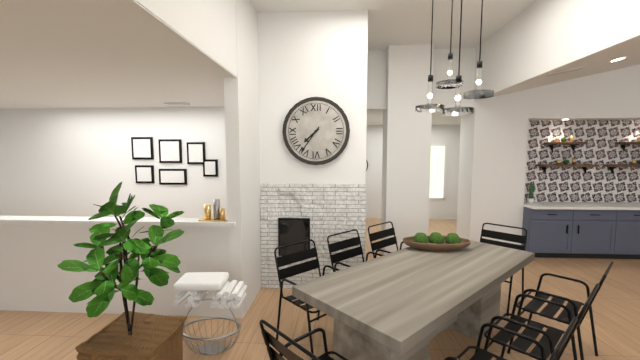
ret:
7,36
